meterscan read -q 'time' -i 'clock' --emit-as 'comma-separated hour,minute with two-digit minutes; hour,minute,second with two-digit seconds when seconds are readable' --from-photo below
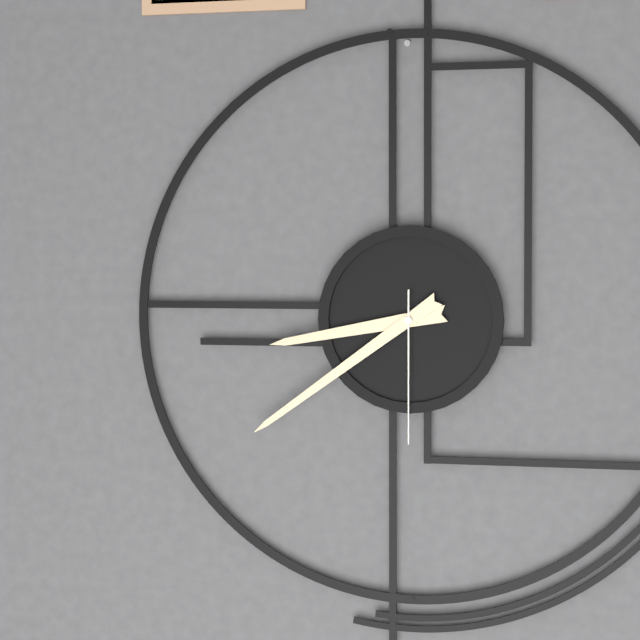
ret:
8,39,30
